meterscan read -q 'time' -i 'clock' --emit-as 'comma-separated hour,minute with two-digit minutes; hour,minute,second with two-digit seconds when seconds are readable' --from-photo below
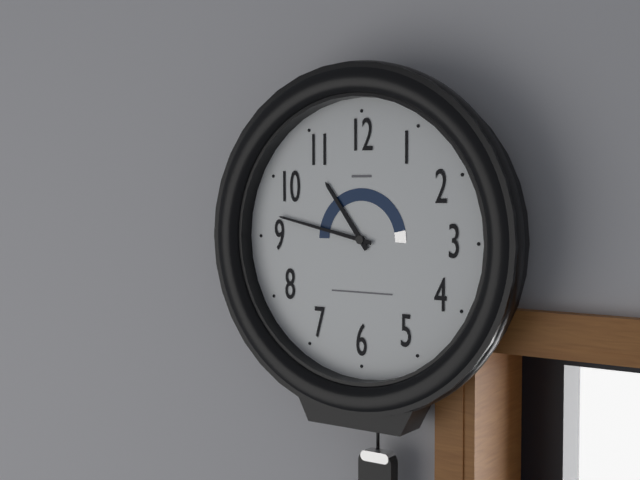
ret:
10,47
